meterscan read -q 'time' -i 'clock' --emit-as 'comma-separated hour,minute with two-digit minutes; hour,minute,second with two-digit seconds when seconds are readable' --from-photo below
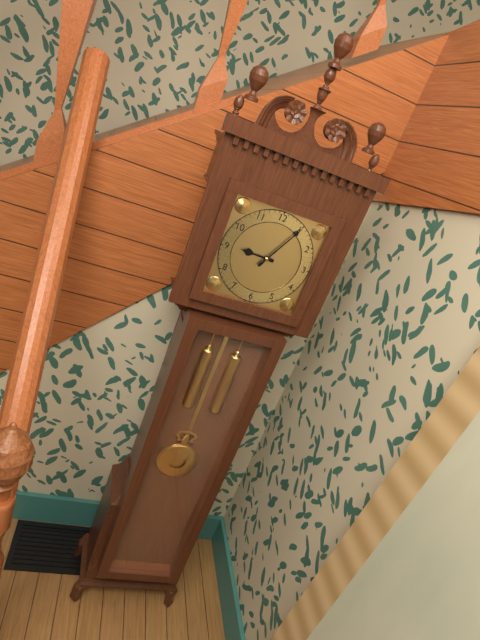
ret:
9,05
